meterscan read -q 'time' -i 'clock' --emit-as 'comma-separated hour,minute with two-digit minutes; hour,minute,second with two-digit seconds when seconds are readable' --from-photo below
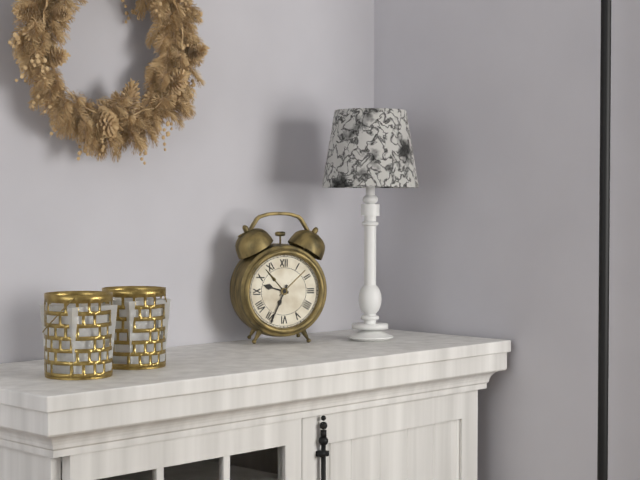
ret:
9,34
